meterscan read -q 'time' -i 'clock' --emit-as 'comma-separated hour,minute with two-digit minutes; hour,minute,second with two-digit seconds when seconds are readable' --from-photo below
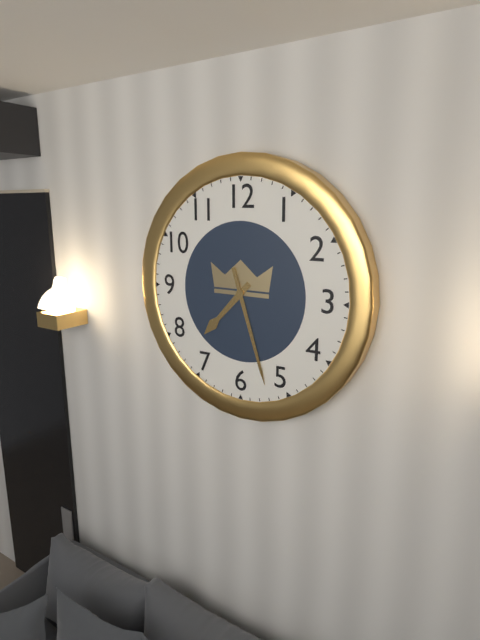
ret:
7,27
